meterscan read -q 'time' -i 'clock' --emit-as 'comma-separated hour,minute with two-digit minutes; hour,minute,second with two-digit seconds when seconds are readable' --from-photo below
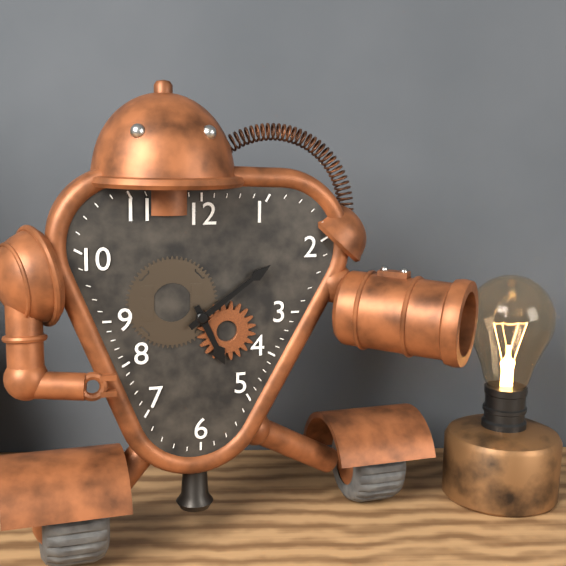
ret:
5,09
